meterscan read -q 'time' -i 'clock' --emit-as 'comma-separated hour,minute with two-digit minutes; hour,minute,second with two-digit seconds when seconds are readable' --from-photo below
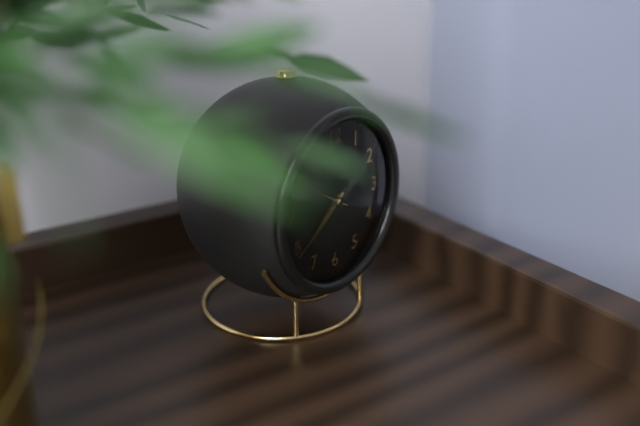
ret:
7,39,50
